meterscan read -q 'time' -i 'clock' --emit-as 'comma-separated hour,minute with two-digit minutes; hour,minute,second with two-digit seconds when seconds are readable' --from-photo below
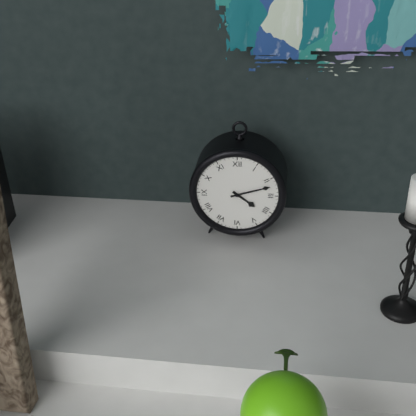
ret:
4,12
